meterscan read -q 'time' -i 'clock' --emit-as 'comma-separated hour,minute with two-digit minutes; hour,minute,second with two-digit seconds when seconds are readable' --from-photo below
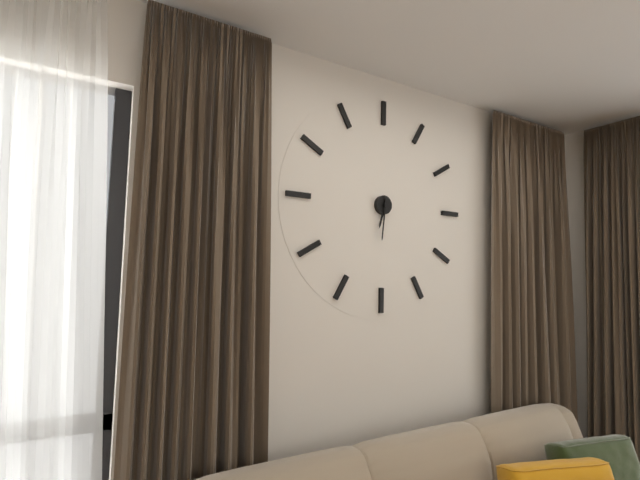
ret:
6,31
